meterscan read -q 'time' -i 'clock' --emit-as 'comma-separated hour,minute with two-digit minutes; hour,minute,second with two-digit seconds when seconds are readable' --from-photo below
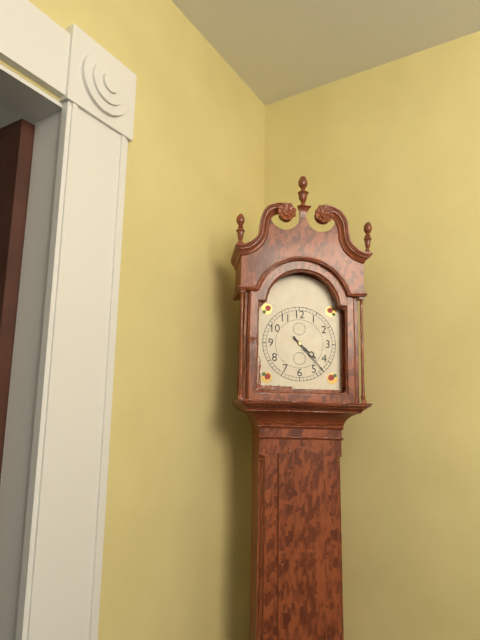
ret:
4,23
